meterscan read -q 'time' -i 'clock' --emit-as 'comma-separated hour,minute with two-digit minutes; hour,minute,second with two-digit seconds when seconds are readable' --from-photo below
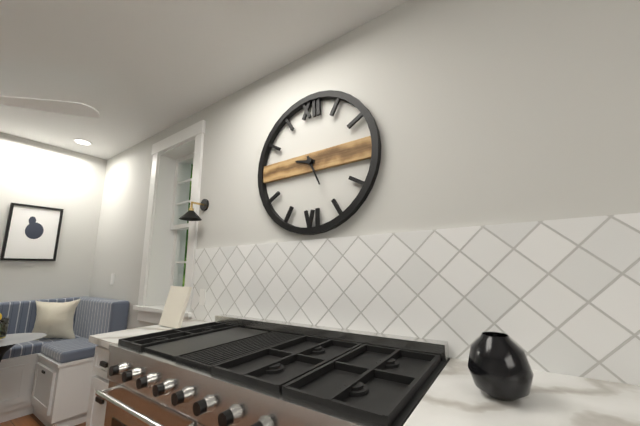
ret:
9,26
